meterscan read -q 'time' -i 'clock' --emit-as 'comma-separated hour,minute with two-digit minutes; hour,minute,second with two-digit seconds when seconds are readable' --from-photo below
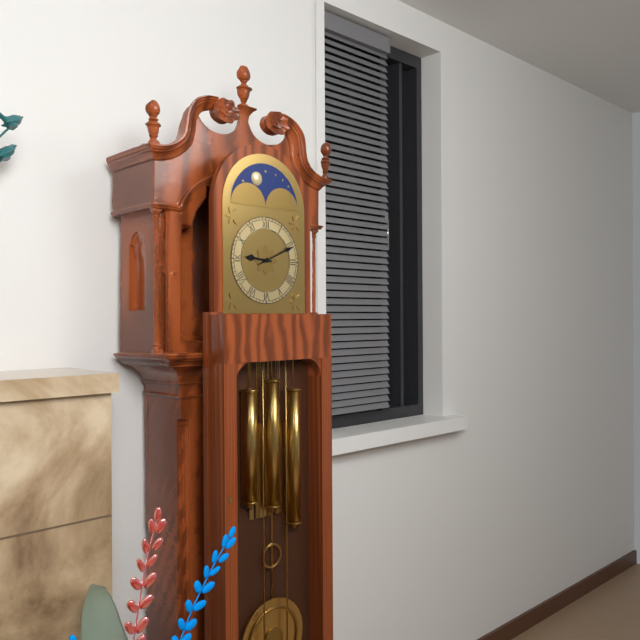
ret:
9,11
